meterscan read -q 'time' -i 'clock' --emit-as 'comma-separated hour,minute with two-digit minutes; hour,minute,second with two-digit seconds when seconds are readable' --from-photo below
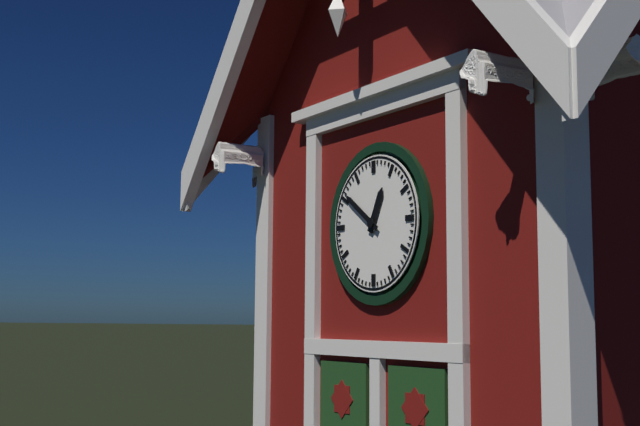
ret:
12,51
